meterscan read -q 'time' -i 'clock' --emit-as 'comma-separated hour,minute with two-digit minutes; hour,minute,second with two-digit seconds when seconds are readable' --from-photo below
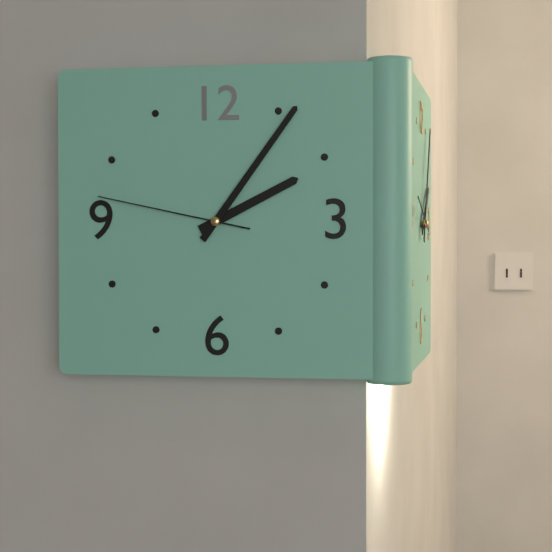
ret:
2,06,47
